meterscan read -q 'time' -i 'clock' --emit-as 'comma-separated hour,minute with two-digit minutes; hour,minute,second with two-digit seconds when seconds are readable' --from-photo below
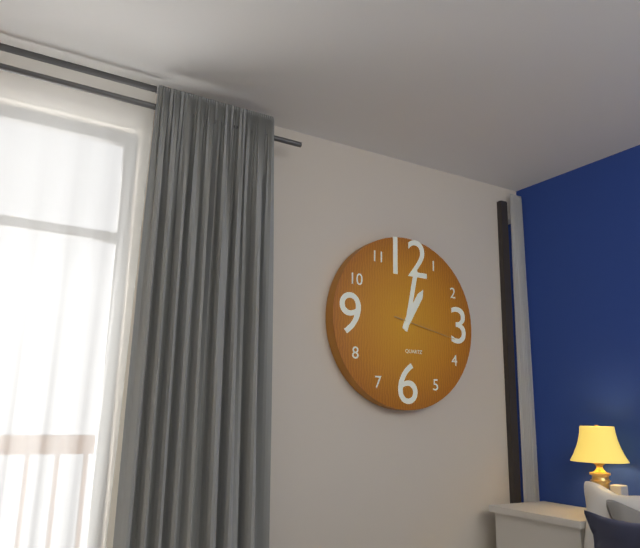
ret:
1,02,17
